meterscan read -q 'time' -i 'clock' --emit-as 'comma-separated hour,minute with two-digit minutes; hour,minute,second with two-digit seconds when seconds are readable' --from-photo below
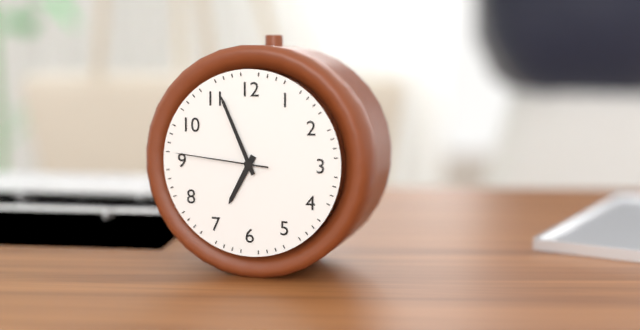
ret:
6,56,46
